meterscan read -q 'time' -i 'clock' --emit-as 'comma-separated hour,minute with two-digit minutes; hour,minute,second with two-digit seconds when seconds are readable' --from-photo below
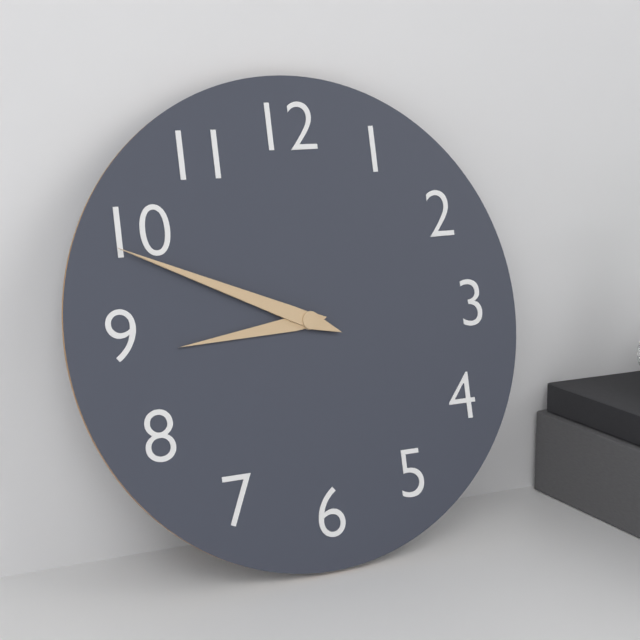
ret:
8,49
